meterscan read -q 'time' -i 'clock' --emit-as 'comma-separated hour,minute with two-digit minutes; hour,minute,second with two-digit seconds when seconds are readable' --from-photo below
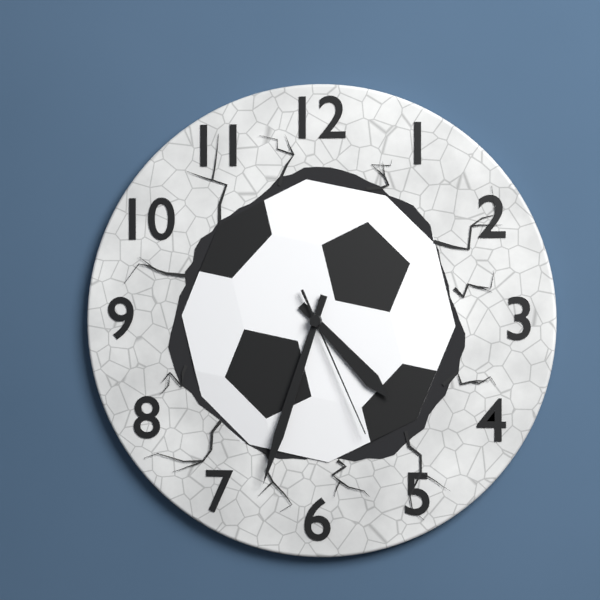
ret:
4,33,26
